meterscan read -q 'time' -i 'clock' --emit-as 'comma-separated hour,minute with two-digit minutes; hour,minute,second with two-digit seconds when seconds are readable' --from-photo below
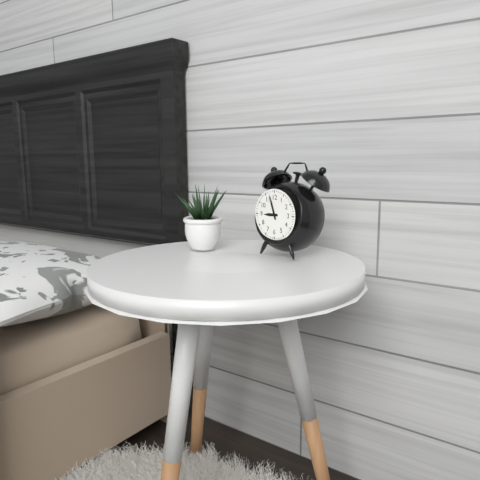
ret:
8,57
